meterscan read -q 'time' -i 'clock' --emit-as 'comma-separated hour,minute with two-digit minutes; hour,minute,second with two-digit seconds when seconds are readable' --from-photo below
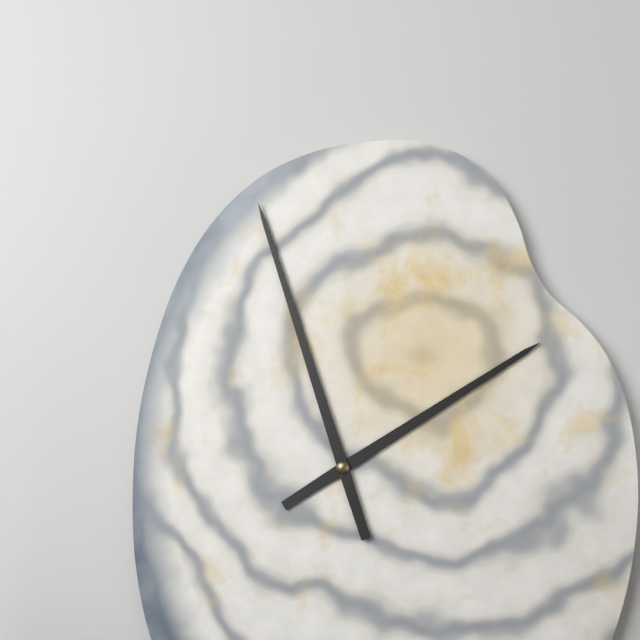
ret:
1,57
